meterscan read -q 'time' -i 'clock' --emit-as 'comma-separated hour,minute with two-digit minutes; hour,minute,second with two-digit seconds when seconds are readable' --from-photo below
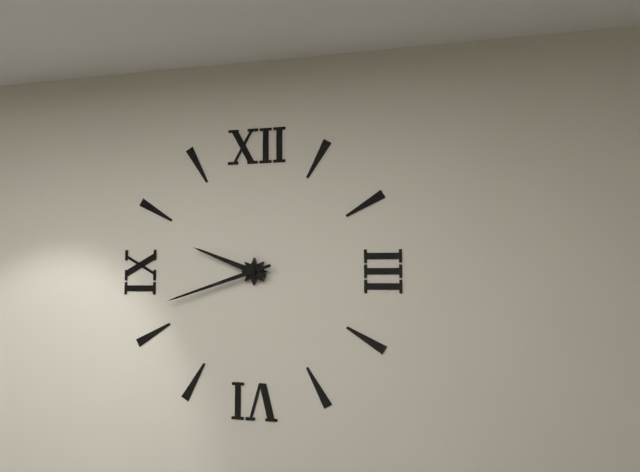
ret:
9,42
